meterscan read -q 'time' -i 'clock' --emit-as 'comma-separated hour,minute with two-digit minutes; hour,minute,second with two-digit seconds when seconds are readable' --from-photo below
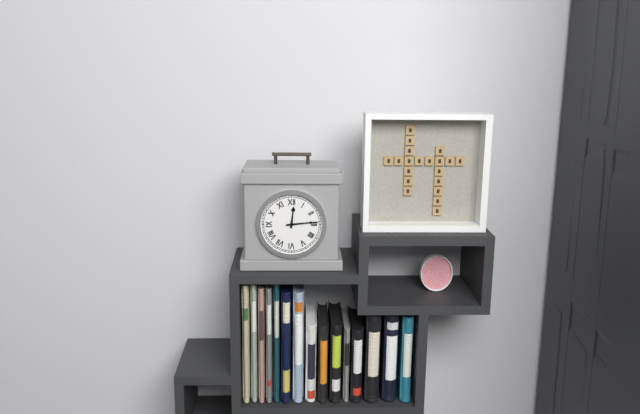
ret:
12,14
